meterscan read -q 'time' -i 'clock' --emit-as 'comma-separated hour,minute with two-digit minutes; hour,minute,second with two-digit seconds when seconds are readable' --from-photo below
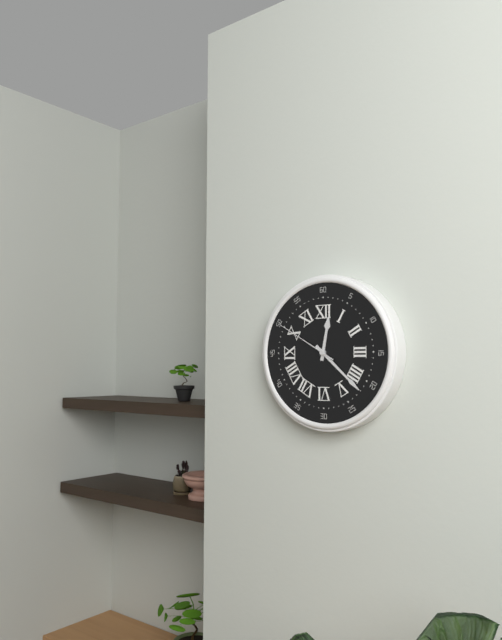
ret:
12,22,50
